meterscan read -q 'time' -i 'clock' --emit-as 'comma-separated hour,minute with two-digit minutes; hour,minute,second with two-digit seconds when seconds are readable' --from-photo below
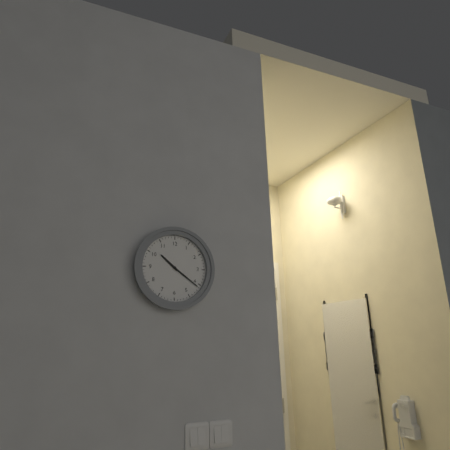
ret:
10,21
